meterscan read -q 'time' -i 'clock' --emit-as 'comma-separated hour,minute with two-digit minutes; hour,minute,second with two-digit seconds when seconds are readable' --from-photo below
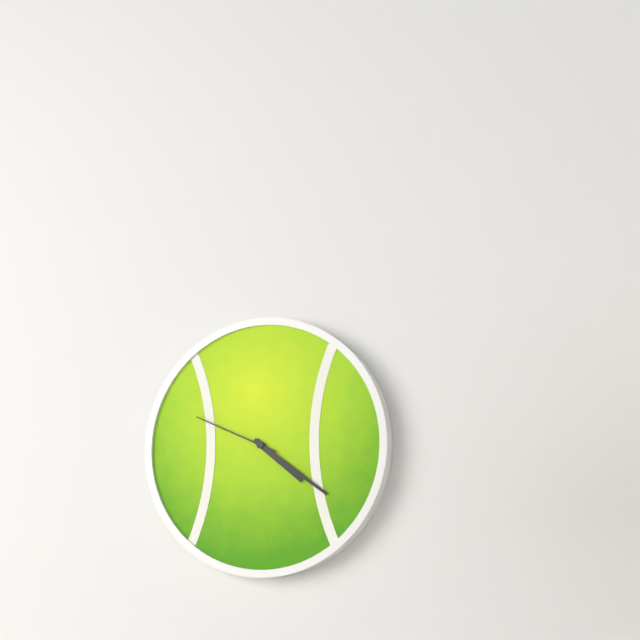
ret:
4,21,49
